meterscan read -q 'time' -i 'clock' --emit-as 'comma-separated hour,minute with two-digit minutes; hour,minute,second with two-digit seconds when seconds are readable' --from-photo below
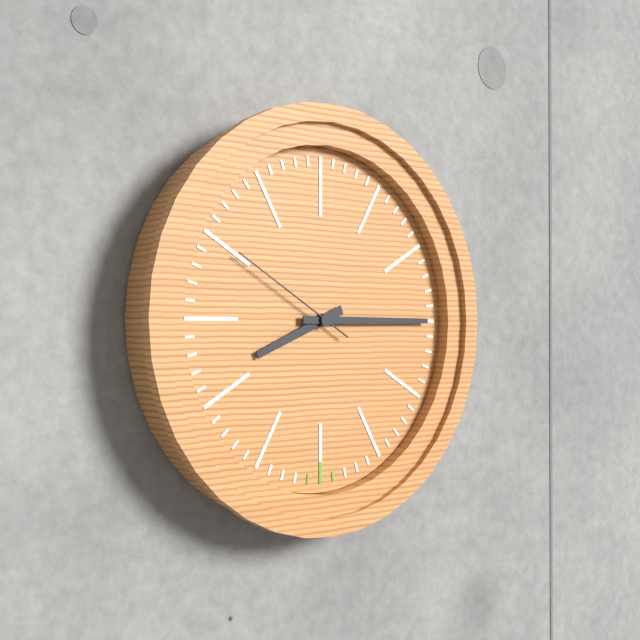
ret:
8,15,50
